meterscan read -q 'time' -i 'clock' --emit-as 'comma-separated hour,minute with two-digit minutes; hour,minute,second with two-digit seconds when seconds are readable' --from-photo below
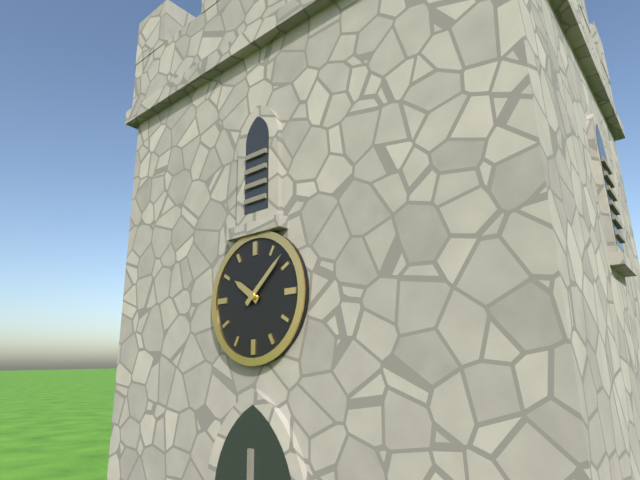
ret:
10,08
